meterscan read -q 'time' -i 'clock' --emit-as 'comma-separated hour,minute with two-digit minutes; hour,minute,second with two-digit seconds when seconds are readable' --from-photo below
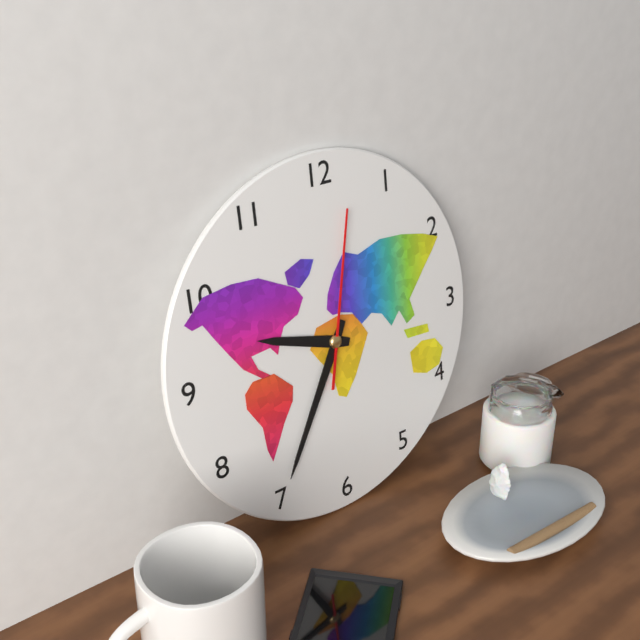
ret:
9,35,02
